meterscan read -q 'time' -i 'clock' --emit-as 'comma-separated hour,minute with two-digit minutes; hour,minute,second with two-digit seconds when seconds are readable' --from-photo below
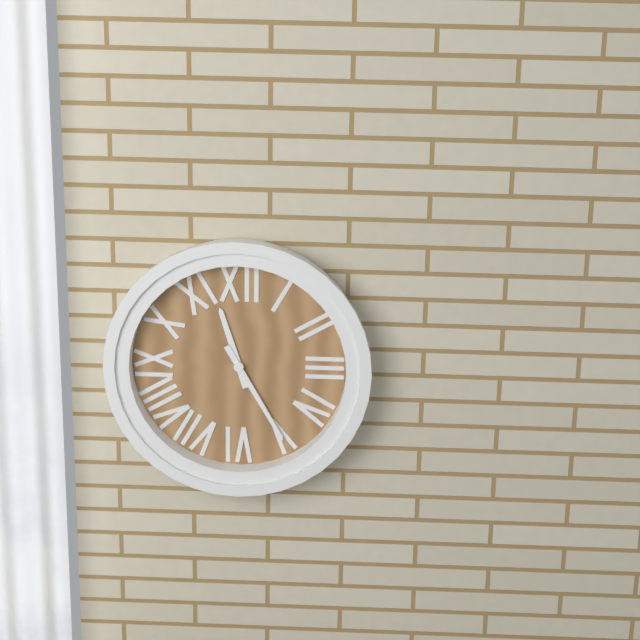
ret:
11,25
